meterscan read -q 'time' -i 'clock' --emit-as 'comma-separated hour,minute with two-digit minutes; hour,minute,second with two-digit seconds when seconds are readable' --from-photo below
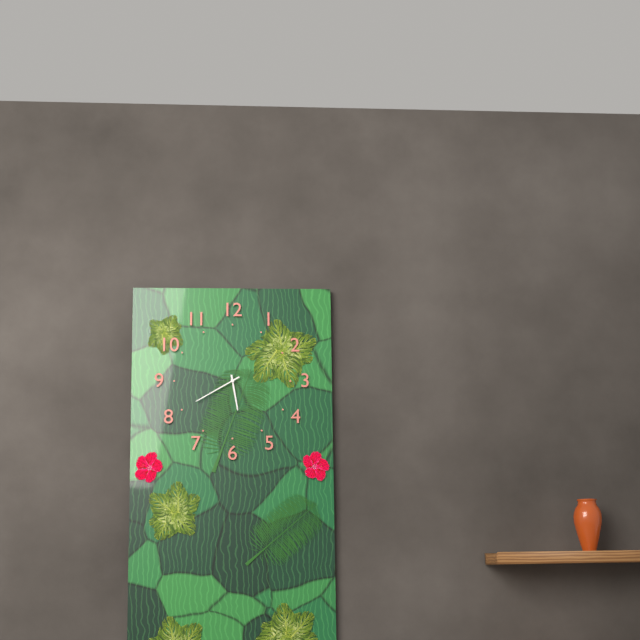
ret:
5,40
